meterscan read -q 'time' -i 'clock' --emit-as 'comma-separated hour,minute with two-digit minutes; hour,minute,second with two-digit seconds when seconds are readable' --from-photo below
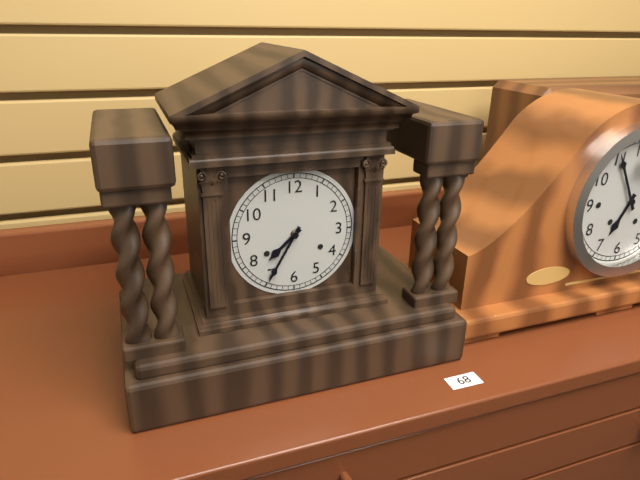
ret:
7,35
